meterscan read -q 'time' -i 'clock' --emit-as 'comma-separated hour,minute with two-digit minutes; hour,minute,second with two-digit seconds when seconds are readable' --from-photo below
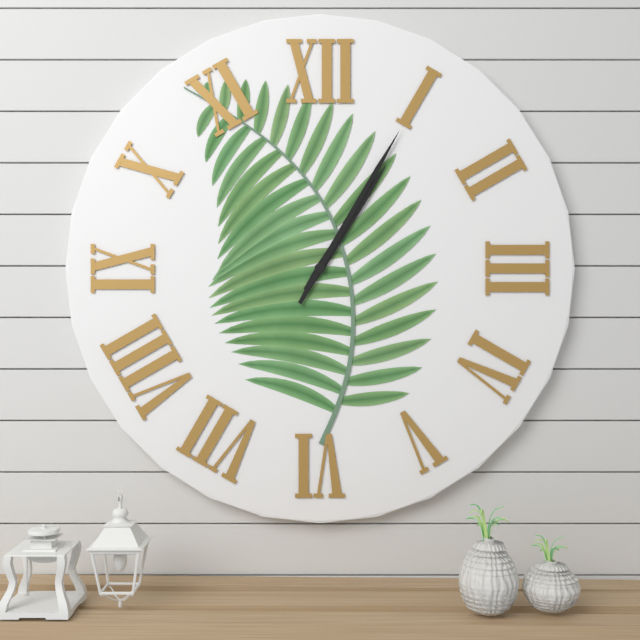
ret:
1,05
